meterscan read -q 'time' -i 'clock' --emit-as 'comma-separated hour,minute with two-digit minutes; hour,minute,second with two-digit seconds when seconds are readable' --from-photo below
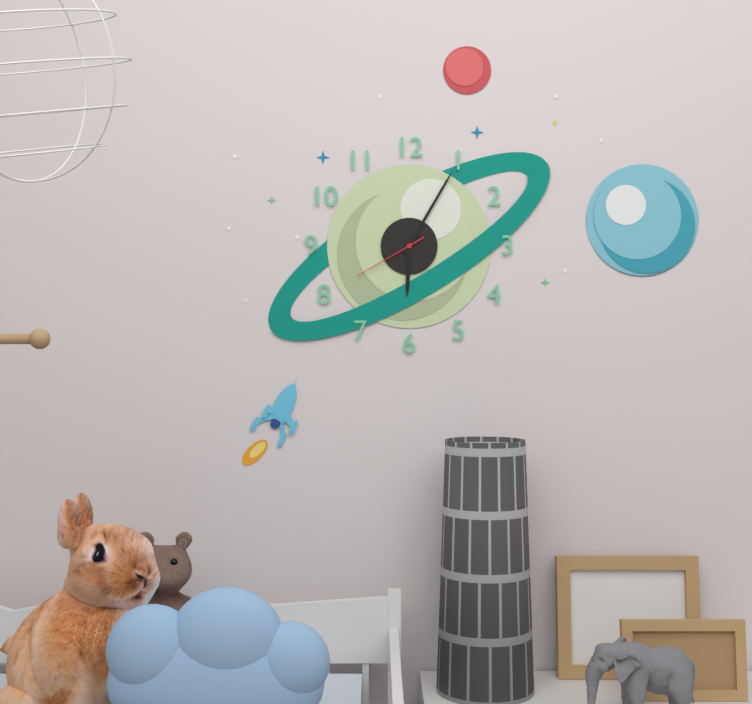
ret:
6,05,40
